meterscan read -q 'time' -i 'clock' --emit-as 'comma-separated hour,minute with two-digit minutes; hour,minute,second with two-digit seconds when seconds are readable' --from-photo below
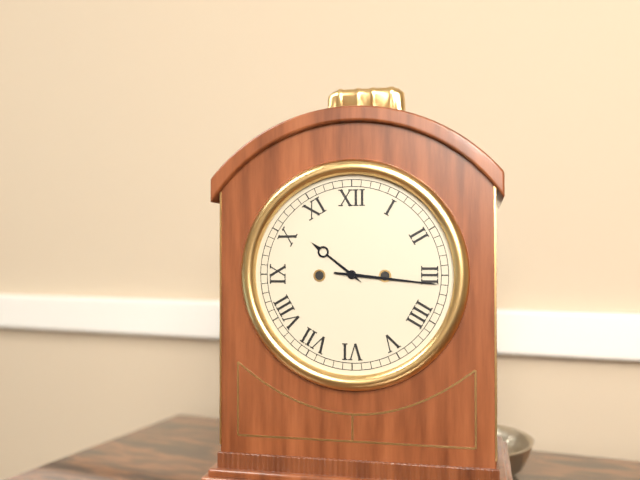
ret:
10,16
